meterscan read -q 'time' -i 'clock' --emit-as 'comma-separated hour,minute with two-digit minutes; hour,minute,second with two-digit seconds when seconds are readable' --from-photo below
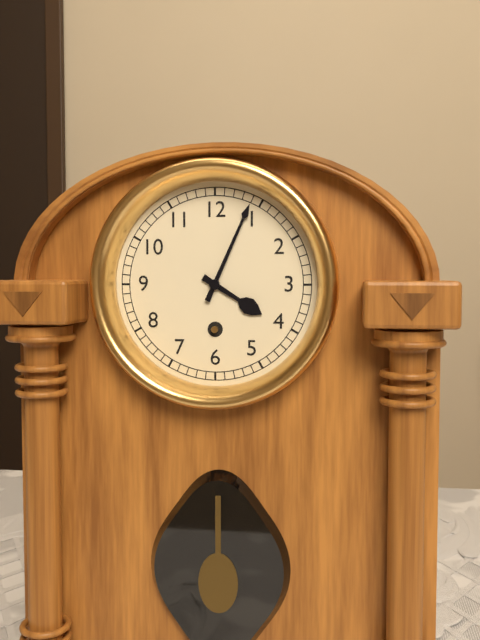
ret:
4,04
